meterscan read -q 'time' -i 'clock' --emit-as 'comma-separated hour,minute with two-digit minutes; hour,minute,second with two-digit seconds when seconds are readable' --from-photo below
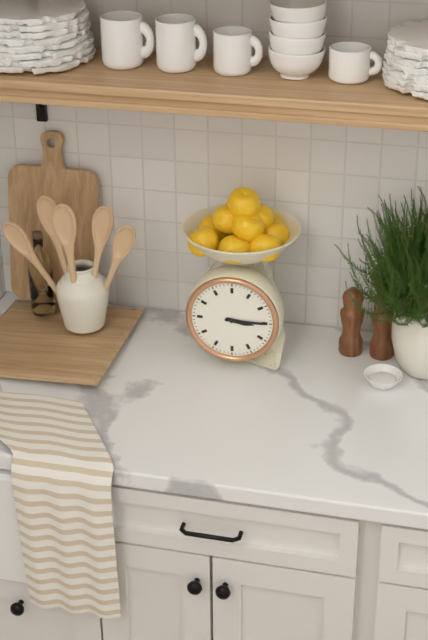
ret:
3,15
